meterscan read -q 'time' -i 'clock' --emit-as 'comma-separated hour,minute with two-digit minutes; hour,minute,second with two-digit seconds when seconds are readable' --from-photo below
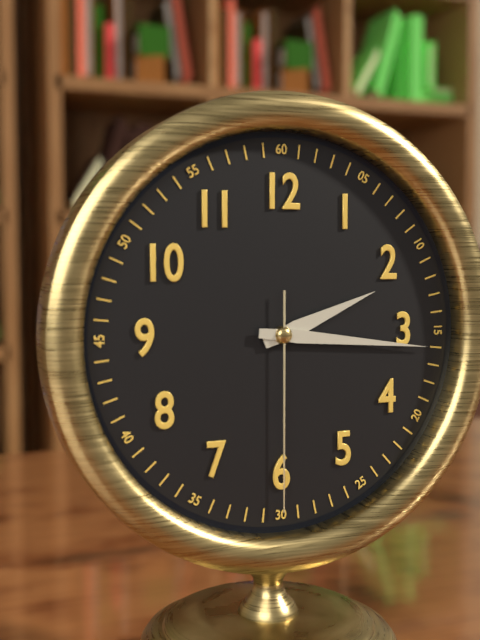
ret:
2,16,30
